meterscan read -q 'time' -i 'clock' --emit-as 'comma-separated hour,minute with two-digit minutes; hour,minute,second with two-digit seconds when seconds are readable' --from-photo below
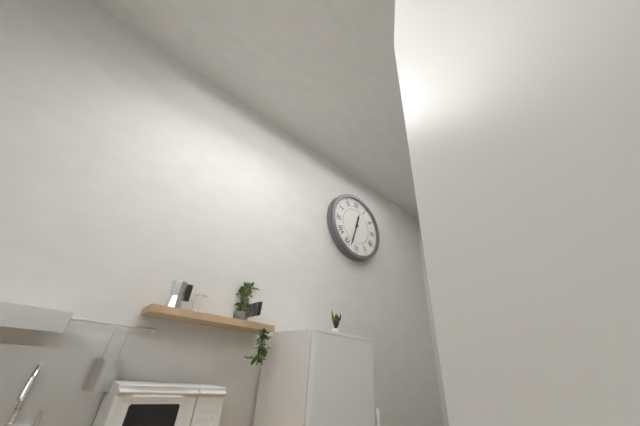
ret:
12,33
